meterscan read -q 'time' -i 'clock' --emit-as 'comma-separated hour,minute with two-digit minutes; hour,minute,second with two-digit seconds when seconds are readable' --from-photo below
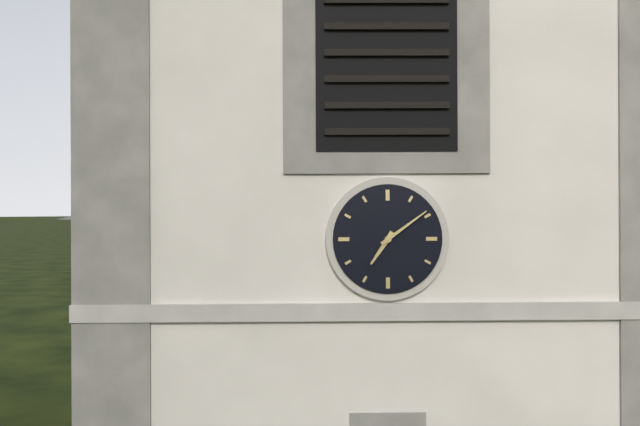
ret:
7,09
